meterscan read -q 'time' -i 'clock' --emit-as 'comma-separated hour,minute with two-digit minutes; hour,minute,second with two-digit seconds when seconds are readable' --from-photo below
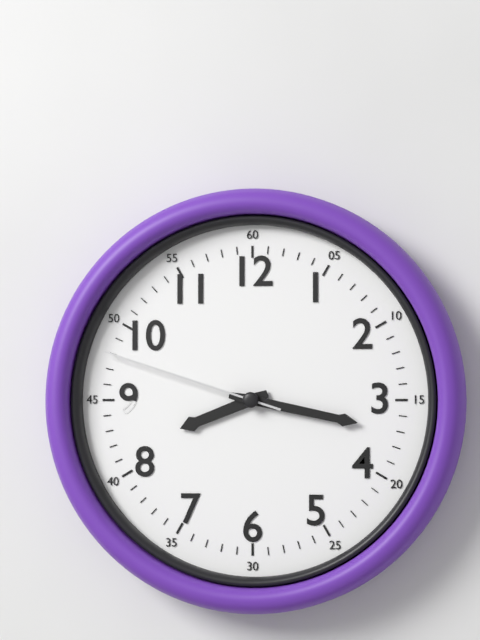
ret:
8,17,48
